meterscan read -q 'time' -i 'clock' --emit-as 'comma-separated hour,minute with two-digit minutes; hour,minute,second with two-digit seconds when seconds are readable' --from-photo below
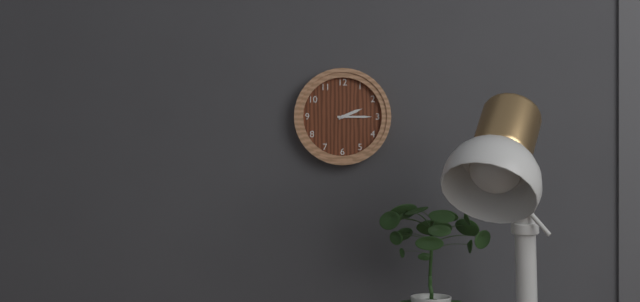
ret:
2,15
